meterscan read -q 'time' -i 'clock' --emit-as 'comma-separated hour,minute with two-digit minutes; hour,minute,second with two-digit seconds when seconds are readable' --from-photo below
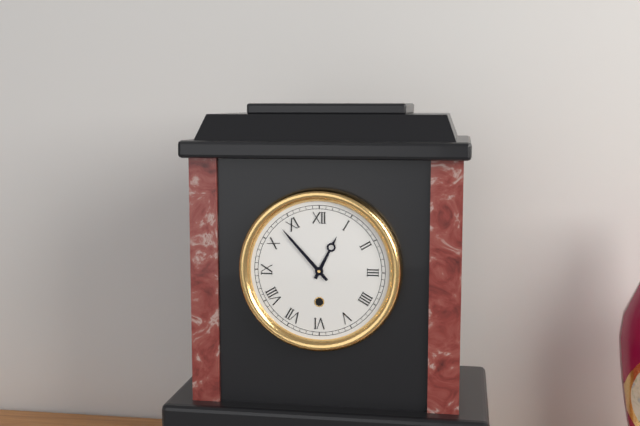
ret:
12,53
